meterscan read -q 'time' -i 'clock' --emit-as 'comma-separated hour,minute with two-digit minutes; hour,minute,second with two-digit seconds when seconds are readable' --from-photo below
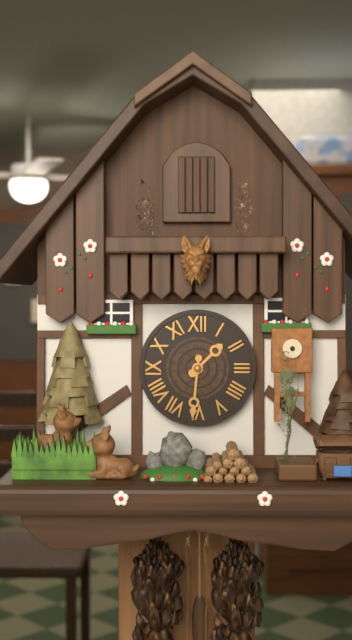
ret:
1,31
